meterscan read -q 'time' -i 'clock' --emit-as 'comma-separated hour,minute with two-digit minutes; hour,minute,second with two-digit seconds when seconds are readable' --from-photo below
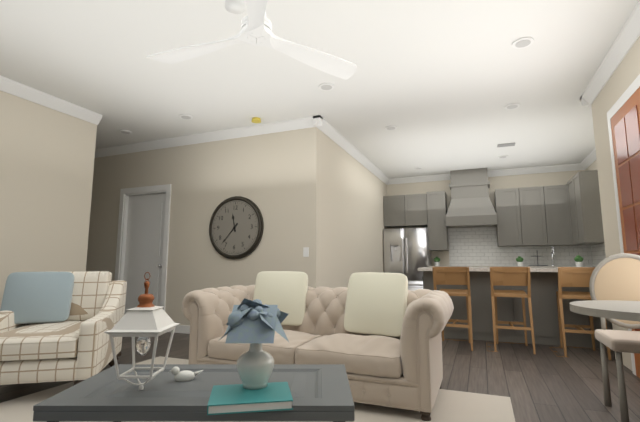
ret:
11,37
